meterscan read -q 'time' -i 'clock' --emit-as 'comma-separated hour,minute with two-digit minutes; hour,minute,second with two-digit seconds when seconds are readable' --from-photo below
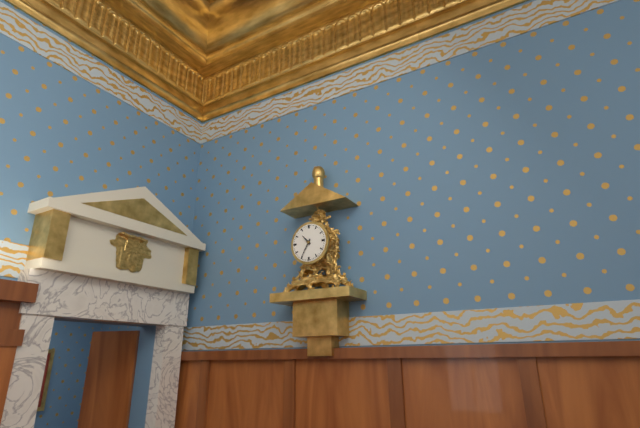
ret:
10,35
